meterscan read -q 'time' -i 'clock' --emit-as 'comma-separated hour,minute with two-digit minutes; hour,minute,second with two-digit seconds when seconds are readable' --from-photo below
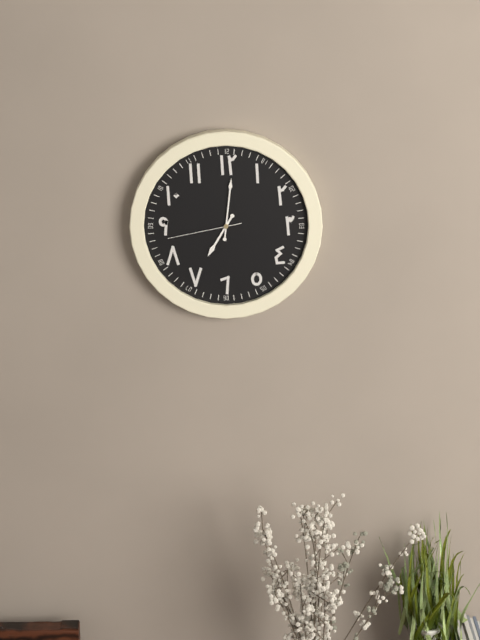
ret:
7,01,43
